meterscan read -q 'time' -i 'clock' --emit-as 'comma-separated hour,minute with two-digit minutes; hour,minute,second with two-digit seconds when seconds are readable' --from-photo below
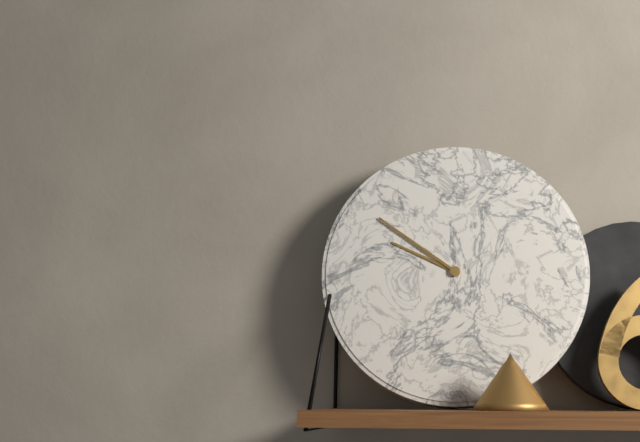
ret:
9,51
